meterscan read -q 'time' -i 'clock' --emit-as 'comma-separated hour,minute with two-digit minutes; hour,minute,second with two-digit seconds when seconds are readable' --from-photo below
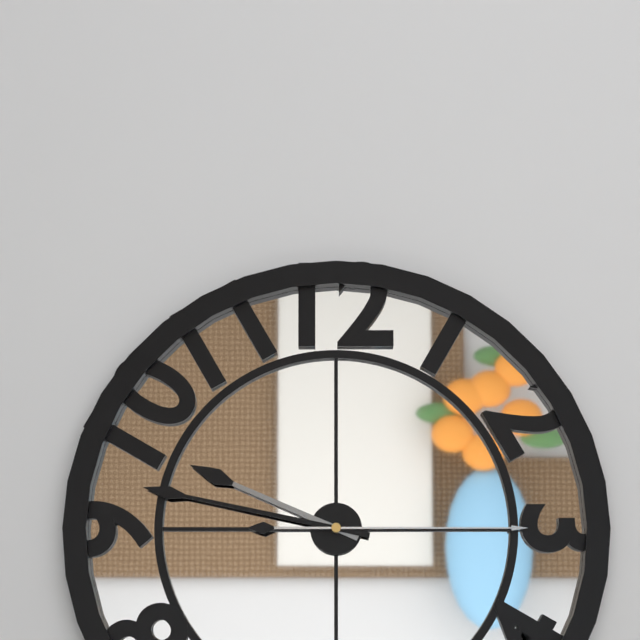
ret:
9,47,15
